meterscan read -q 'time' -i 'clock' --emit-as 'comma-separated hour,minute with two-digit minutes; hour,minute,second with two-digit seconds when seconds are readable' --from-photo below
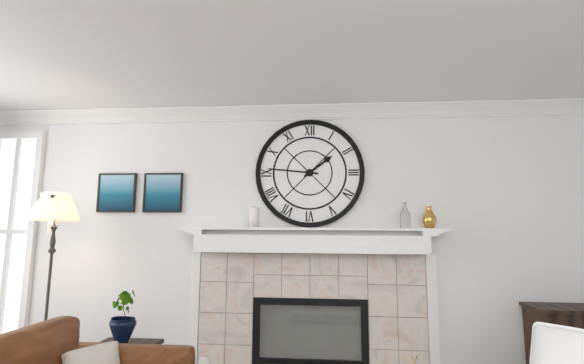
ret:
1,46
